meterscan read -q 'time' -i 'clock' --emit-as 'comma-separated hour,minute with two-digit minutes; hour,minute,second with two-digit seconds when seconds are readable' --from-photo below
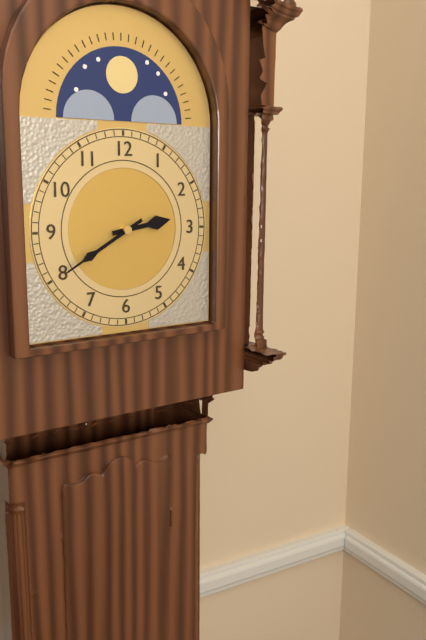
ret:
2,40
